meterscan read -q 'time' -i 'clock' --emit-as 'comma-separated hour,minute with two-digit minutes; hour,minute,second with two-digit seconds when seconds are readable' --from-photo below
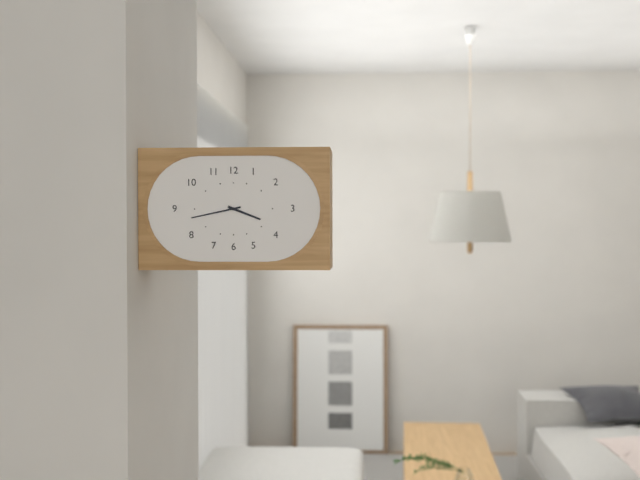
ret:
3,43
